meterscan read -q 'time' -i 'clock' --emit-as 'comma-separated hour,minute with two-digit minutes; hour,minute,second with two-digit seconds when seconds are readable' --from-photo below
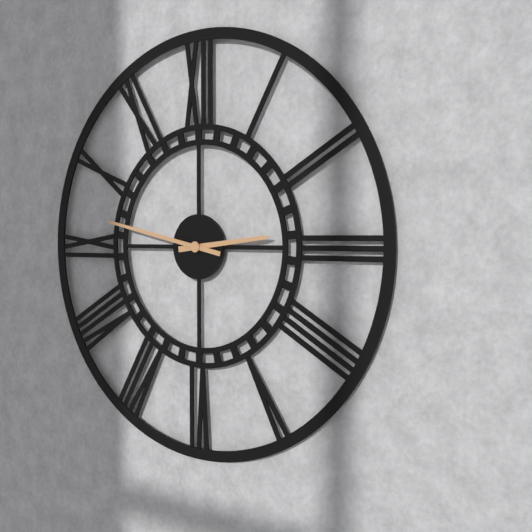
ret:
2,47
